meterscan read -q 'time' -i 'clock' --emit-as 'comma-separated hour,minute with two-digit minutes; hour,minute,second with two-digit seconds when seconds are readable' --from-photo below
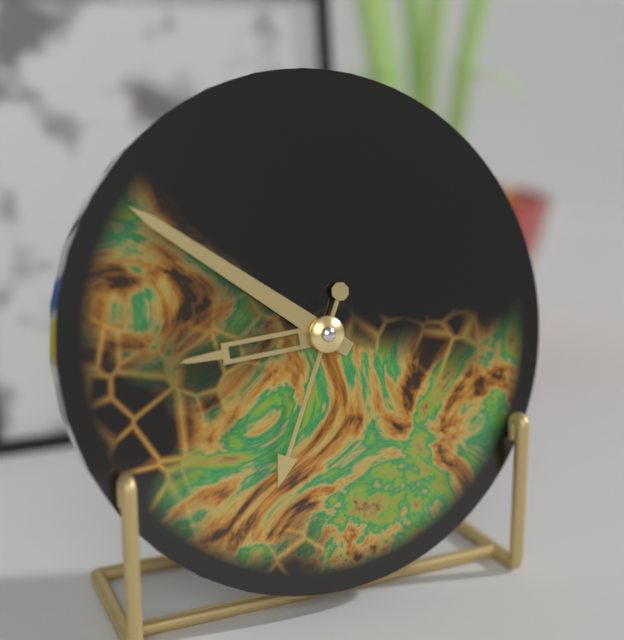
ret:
8,51,34
